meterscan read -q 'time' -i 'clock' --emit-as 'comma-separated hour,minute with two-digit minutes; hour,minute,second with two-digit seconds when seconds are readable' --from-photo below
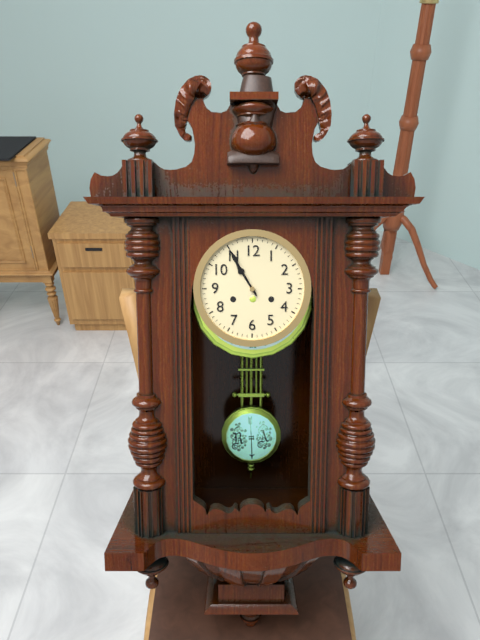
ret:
10,55
